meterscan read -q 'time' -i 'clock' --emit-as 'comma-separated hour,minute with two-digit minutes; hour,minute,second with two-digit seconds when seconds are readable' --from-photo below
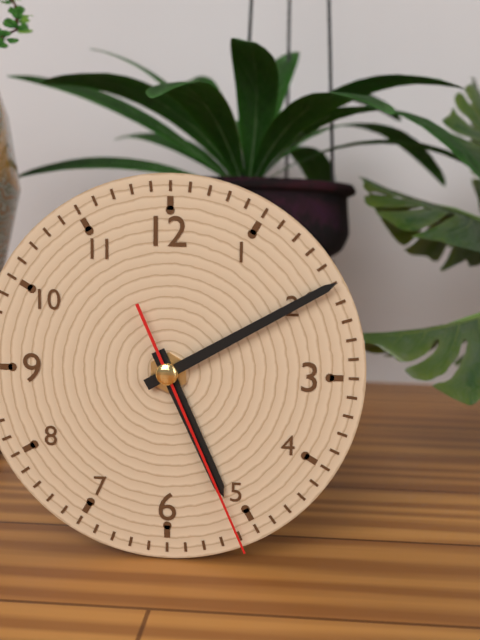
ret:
5,10,26
